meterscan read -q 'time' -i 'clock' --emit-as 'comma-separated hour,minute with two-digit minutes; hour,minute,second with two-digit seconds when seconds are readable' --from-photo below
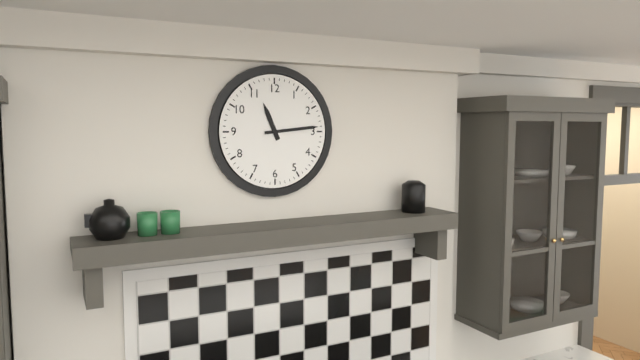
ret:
11,14
